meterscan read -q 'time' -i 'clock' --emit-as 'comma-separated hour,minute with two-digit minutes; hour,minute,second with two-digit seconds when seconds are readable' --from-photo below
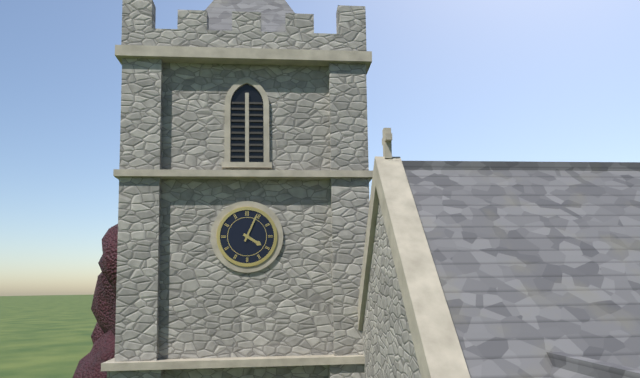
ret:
4,04
